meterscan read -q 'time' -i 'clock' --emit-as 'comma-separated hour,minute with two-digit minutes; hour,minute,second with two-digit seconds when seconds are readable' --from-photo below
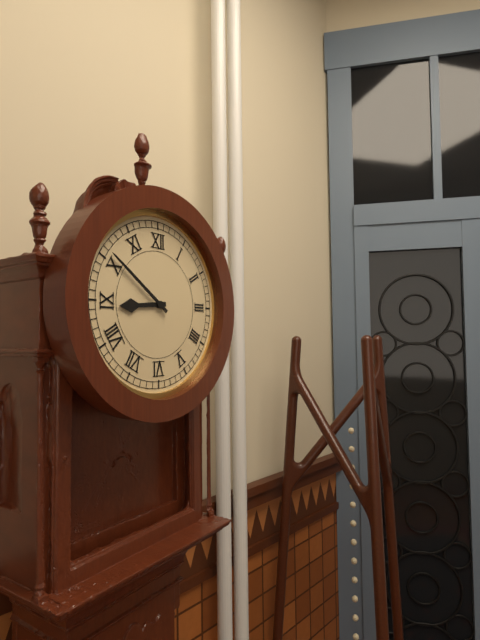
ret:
8,51
